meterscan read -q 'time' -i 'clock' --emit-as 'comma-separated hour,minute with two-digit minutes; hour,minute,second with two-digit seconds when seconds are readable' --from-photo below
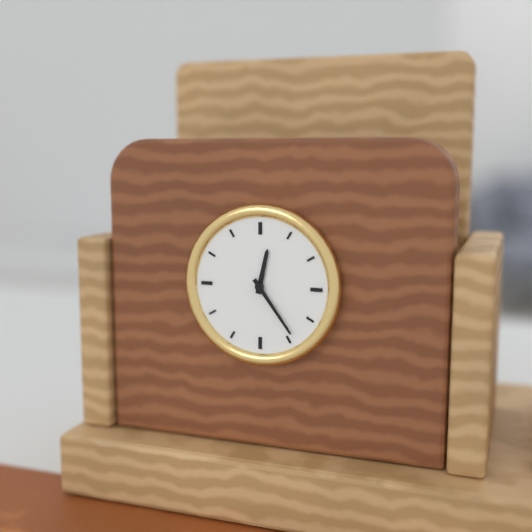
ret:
12,24
